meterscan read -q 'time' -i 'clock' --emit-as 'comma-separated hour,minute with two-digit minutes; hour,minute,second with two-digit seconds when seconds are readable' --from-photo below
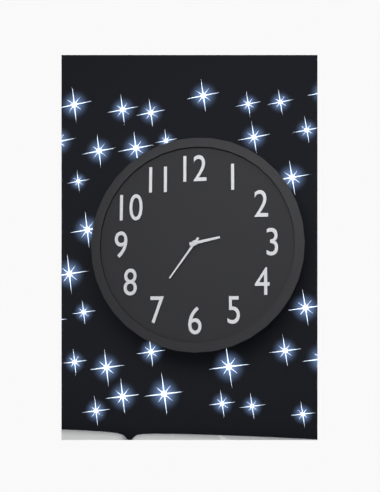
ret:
2,36
